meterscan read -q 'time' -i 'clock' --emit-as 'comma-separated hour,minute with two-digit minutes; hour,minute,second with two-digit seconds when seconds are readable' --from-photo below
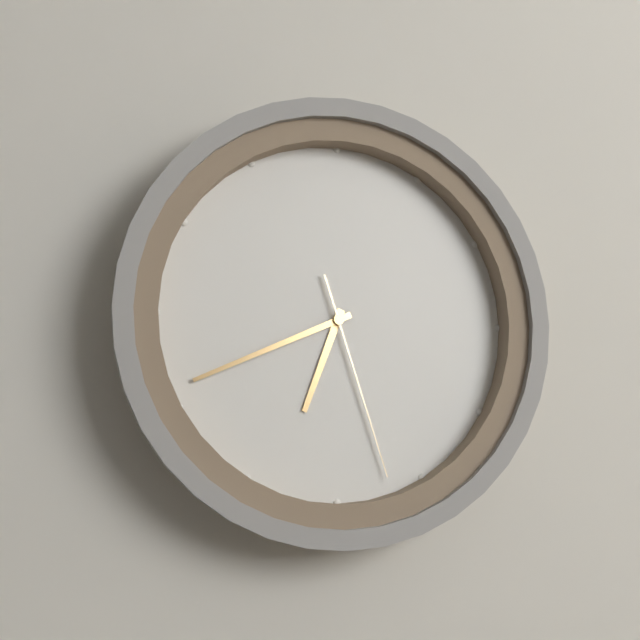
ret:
6,41,27
